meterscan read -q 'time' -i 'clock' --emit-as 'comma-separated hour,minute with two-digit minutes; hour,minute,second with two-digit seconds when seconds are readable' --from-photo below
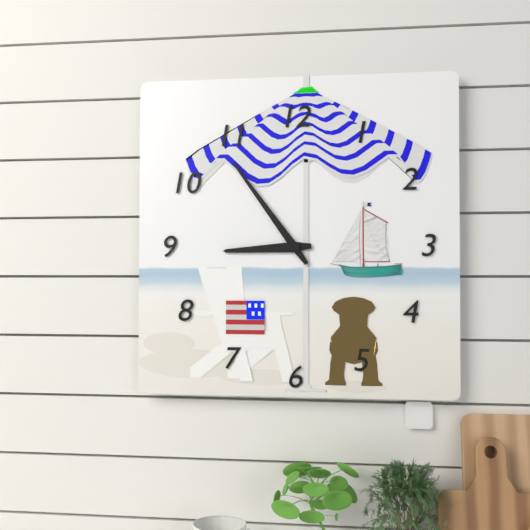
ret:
8,54
